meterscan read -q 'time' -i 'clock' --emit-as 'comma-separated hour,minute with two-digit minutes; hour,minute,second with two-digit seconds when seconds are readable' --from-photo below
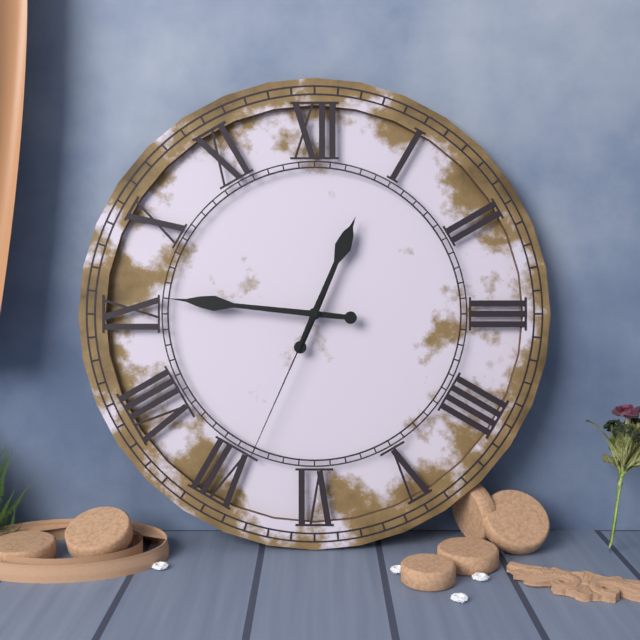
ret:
12,46,34
